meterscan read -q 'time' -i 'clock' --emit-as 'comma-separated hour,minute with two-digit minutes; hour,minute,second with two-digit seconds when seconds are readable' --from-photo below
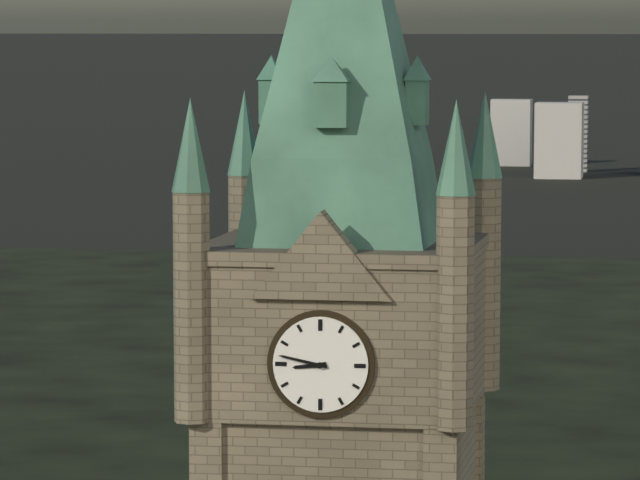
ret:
8,47
